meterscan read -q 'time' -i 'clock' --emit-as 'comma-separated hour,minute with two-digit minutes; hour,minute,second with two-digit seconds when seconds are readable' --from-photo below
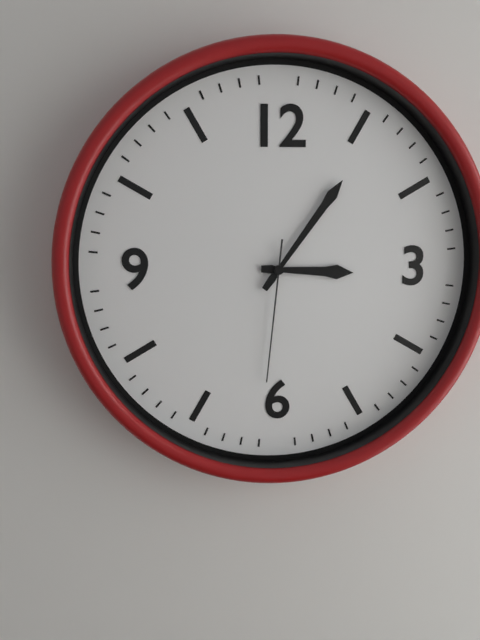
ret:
3,06,31
